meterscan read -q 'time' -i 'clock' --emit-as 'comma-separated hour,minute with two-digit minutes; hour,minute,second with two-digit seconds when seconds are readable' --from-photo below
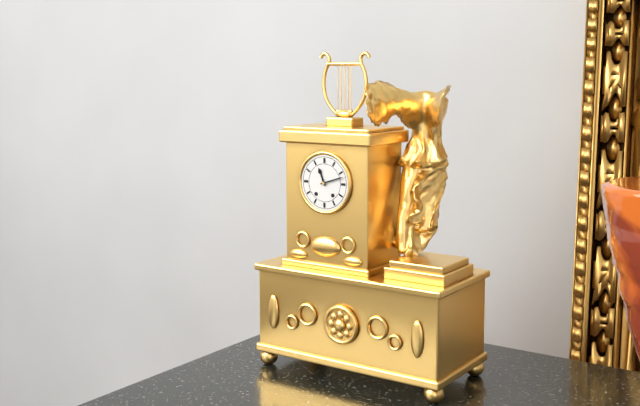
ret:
11,12
